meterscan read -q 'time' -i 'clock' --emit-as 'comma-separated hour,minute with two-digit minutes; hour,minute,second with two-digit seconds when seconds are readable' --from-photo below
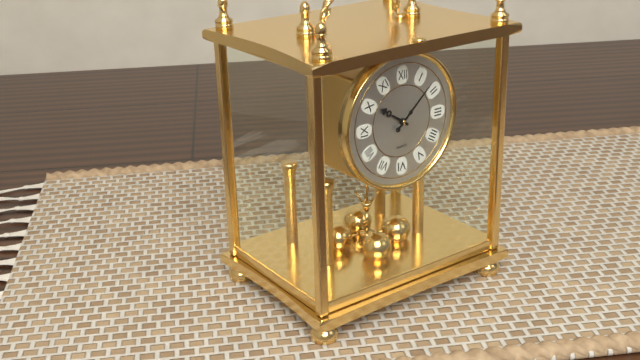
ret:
10,08
